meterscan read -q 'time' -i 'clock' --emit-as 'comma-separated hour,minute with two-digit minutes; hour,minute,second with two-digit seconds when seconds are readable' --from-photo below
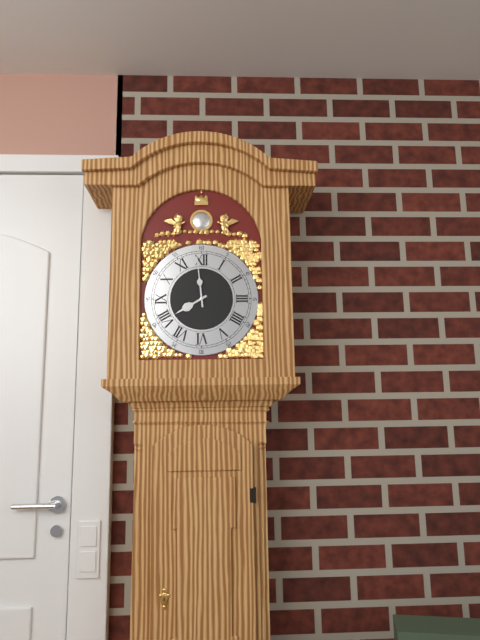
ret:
7,59
